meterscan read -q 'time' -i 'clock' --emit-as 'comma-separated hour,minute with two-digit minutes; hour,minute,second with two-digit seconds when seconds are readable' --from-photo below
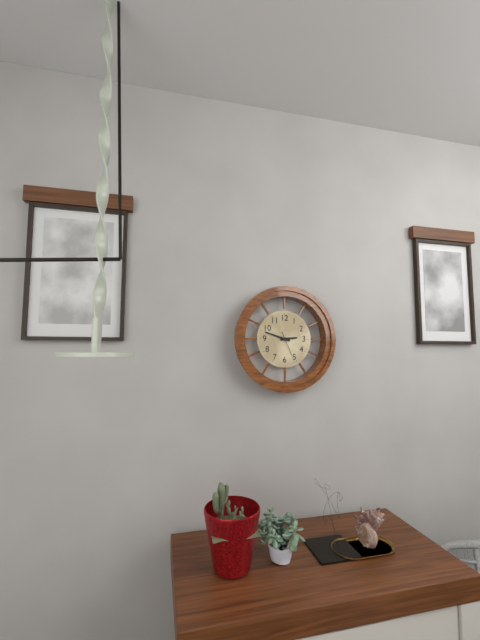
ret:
2,48
